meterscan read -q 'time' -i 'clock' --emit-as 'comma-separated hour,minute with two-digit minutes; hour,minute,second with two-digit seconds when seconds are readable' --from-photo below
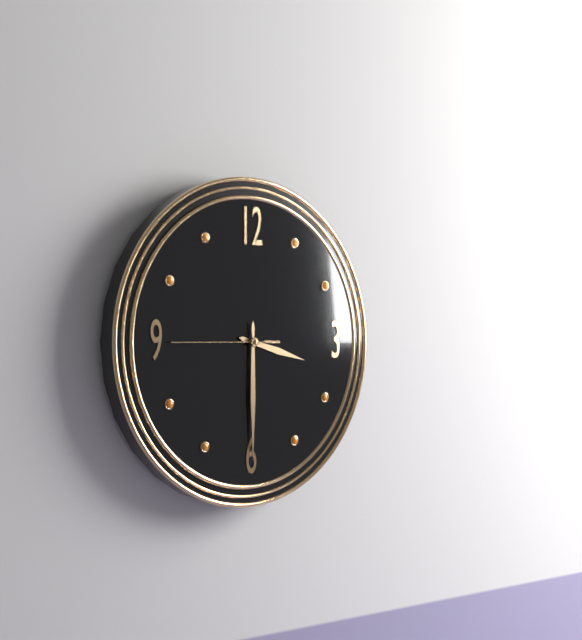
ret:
3,30,45
